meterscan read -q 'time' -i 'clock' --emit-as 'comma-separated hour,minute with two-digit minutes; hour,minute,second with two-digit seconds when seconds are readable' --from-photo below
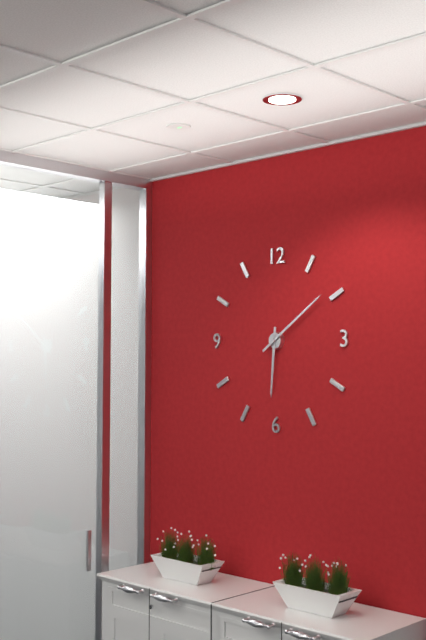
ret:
6,09
